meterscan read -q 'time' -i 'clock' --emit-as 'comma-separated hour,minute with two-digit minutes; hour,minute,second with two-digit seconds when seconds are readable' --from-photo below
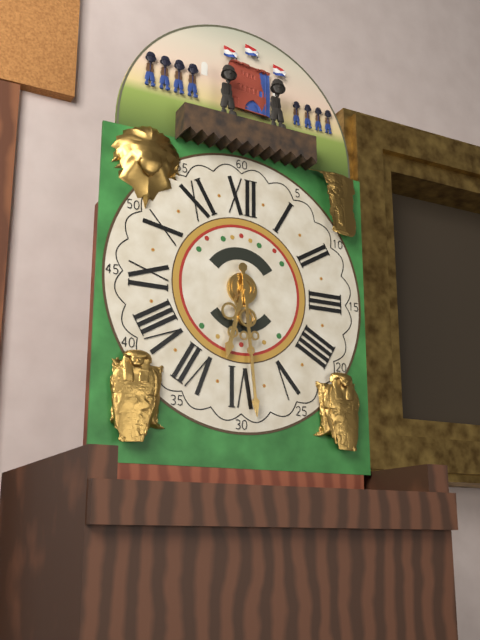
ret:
6,29
